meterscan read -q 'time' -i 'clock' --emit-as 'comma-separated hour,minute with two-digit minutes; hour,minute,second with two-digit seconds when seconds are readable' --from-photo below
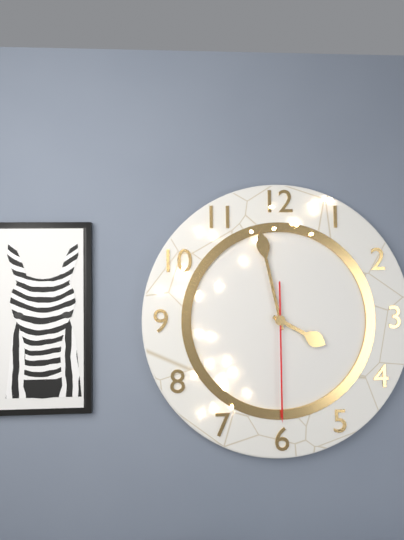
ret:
3,58,30
